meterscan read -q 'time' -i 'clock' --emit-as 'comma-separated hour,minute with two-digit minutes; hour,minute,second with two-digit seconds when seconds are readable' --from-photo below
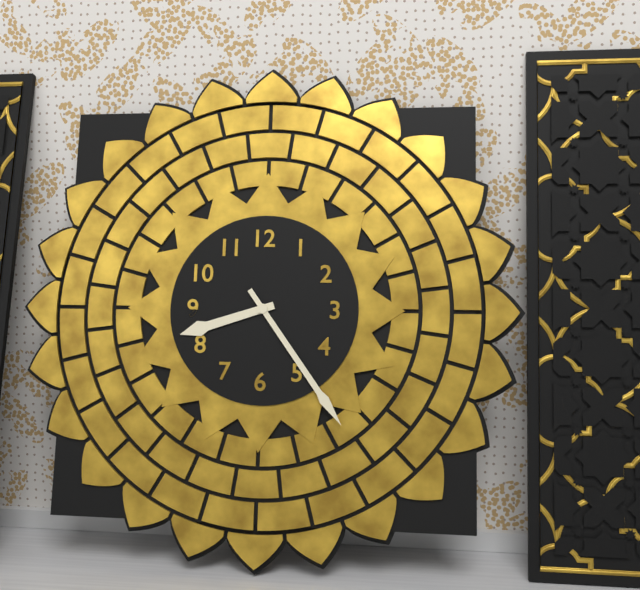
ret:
8,24
